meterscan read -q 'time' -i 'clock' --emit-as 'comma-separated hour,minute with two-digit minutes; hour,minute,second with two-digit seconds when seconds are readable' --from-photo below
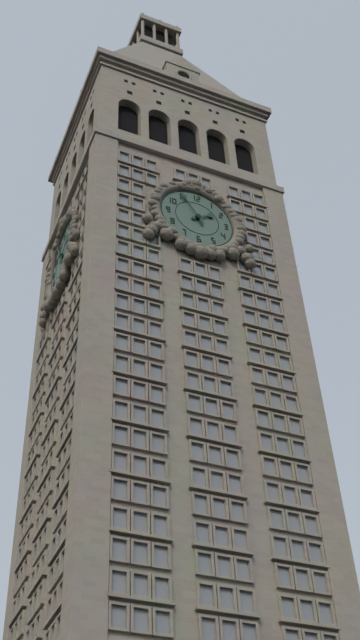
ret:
1,55
